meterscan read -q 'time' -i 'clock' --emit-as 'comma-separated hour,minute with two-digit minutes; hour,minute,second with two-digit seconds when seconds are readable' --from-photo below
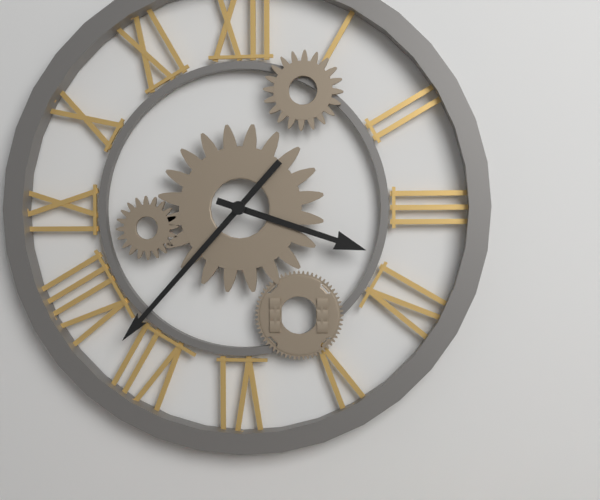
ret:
3,37
